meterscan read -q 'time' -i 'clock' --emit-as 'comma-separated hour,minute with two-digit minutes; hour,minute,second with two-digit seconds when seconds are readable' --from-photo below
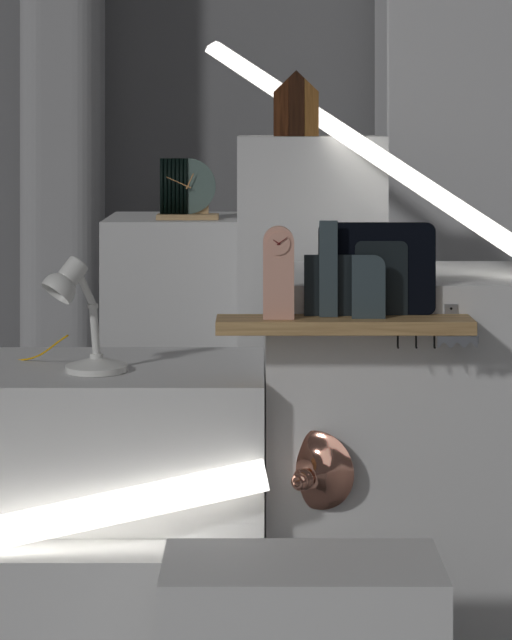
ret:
12,49
